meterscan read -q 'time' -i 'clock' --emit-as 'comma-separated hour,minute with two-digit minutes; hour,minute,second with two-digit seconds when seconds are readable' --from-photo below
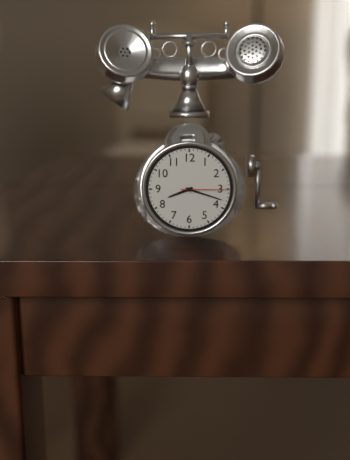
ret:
8,18
